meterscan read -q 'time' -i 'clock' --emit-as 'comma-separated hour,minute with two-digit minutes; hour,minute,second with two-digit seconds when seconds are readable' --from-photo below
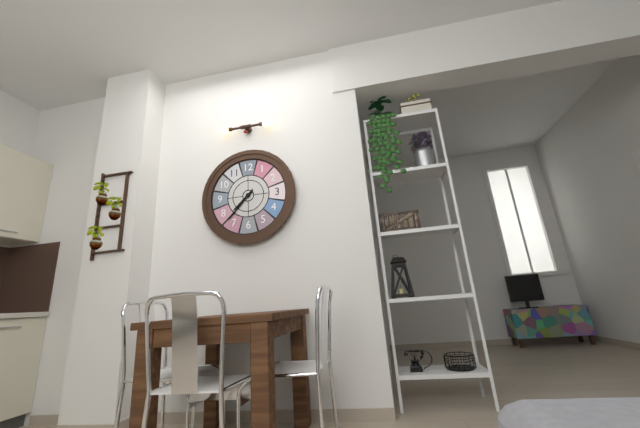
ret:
7,37
